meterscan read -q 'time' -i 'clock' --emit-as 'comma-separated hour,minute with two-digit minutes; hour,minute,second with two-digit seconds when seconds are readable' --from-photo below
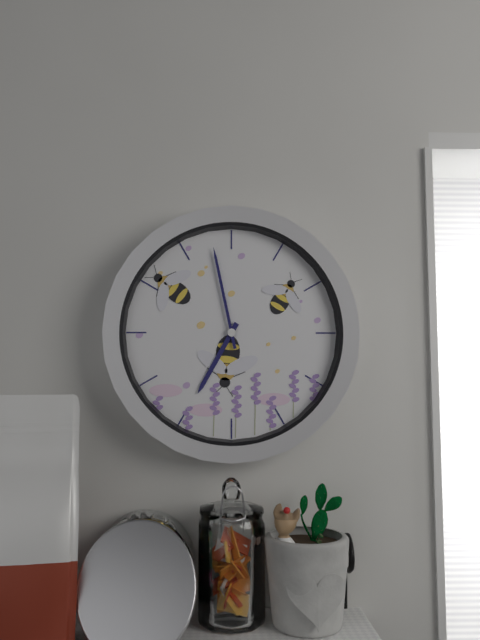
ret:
6,58
